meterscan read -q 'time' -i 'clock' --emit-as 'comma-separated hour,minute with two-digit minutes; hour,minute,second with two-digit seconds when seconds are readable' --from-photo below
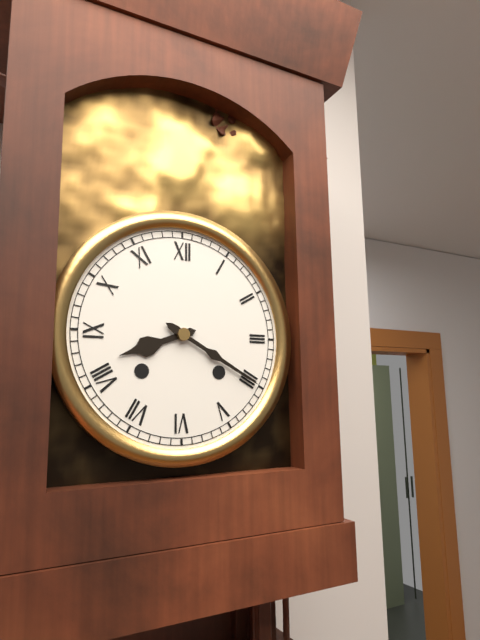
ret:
8,20
